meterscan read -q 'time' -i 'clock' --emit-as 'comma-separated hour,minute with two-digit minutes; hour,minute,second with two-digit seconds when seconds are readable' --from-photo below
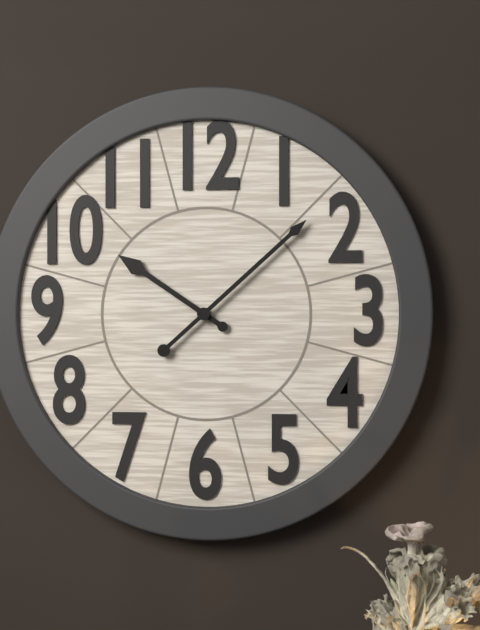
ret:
10,08
